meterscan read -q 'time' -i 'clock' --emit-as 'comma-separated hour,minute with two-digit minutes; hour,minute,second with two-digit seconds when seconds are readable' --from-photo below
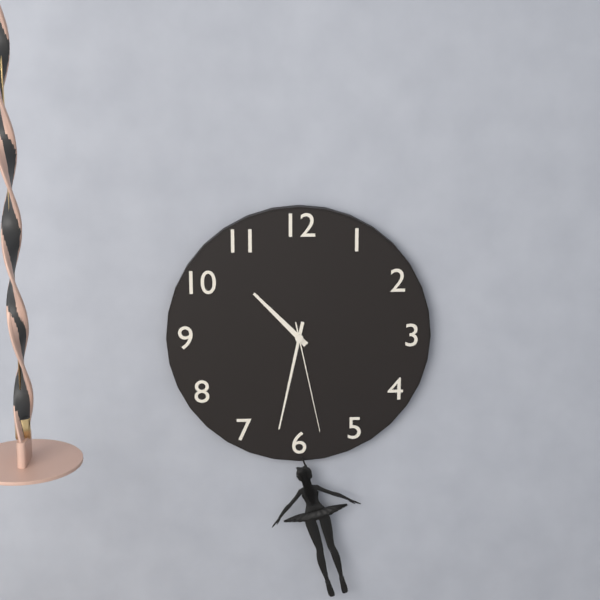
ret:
10,32,28
